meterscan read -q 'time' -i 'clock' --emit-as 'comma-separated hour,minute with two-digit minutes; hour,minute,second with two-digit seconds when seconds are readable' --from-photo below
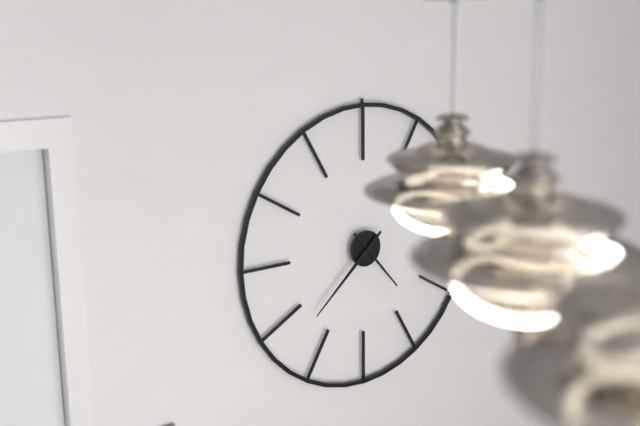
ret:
4,38
